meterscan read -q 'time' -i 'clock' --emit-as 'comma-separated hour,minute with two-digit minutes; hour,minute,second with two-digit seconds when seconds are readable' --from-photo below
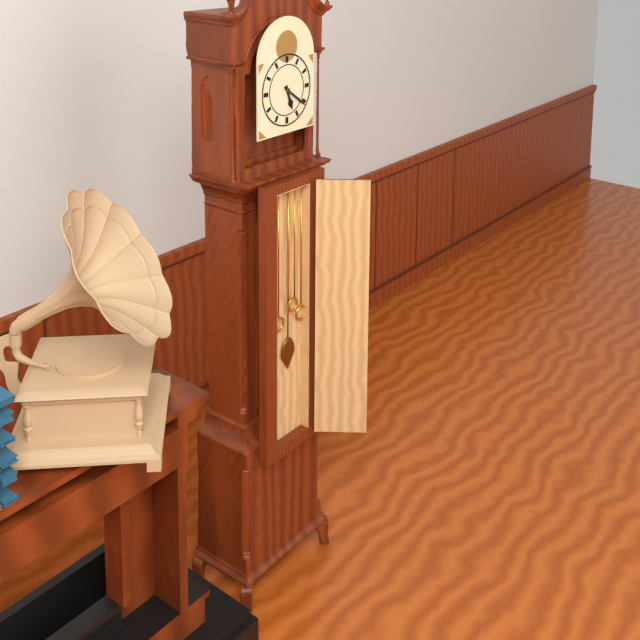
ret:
5,21
